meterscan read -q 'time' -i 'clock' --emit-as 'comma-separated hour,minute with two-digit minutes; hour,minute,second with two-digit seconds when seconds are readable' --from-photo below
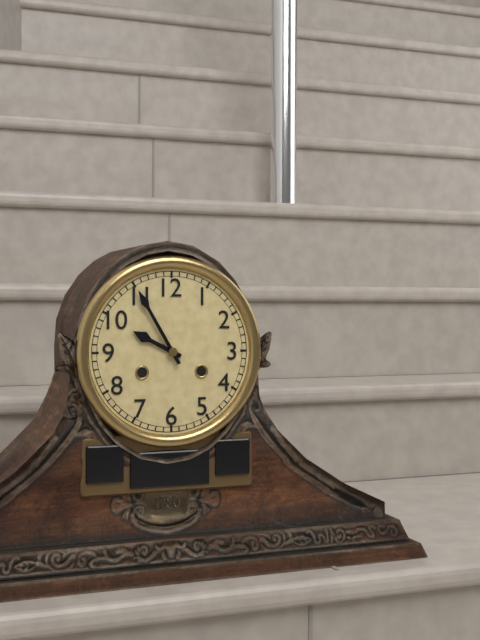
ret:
9,55
